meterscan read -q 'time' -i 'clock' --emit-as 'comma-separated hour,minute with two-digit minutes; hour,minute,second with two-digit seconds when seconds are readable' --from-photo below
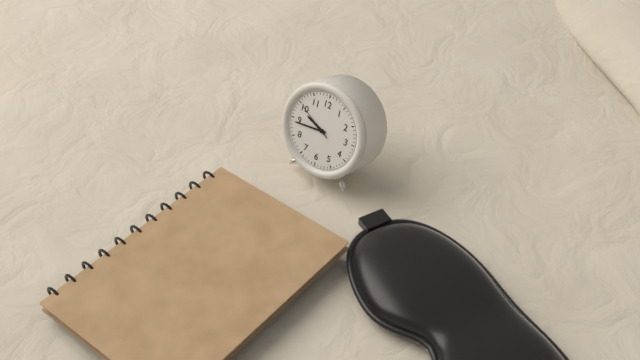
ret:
9,44
